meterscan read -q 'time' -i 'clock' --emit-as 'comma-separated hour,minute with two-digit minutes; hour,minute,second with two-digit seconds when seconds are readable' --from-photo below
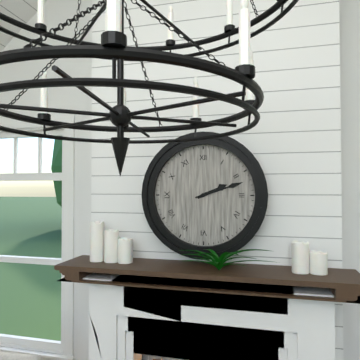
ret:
2,12
